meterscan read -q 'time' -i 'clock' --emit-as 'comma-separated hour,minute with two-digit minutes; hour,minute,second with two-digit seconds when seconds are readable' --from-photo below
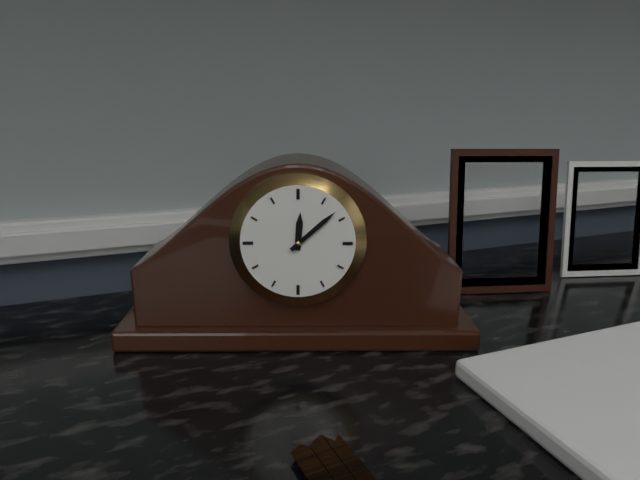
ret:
12,08
